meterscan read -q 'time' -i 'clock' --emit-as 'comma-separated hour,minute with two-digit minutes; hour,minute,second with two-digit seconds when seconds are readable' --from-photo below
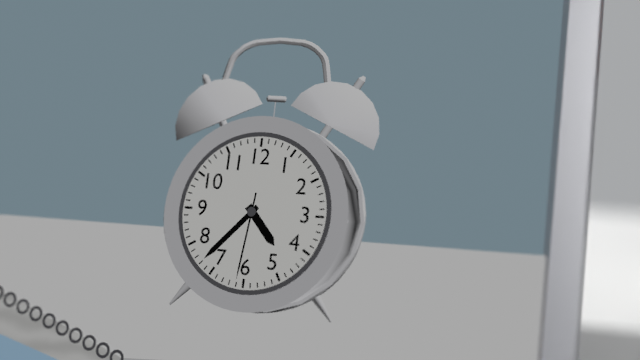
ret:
4,37,31
